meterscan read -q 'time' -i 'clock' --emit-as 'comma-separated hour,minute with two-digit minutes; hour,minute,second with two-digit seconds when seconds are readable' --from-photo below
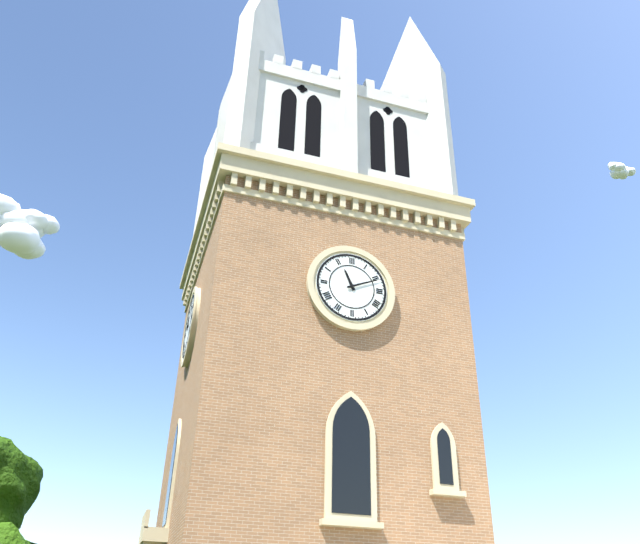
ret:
11,11
